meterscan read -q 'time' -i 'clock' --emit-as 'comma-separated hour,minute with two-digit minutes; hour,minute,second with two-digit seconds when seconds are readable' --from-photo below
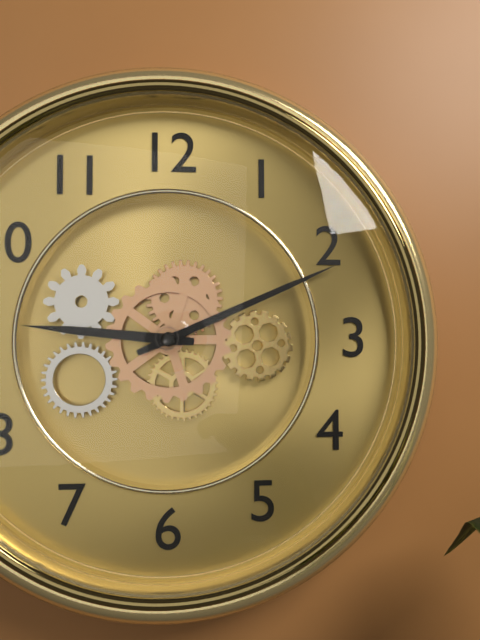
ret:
9,11
